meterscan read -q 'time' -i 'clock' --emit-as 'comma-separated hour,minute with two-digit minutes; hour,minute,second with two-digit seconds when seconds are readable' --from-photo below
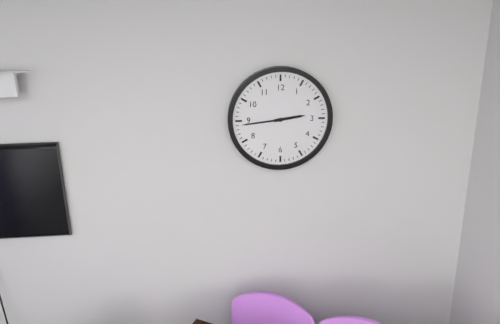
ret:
2,44
